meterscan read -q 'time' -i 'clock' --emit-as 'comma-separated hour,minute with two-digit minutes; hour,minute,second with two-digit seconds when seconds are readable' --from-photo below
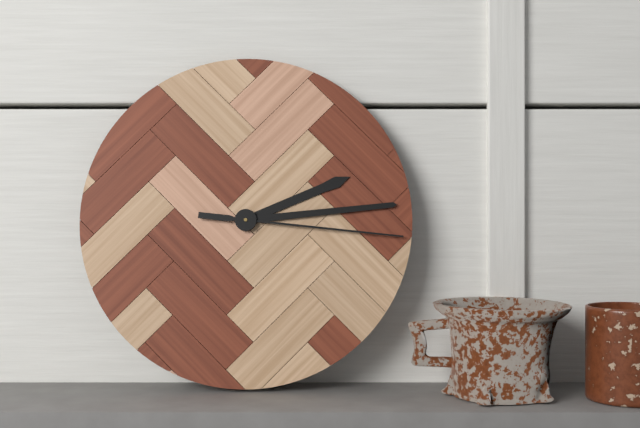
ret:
2,14,16
